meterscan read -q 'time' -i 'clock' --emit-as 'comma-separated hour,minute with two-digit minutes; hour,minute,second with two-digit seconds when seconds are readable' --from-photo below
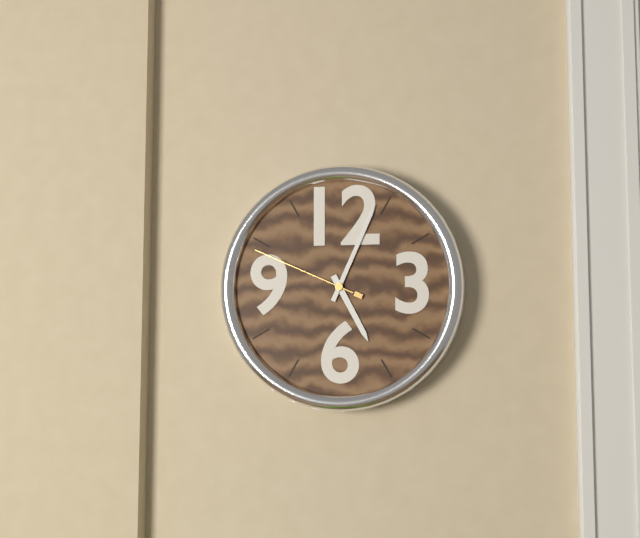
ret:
5,04,49
